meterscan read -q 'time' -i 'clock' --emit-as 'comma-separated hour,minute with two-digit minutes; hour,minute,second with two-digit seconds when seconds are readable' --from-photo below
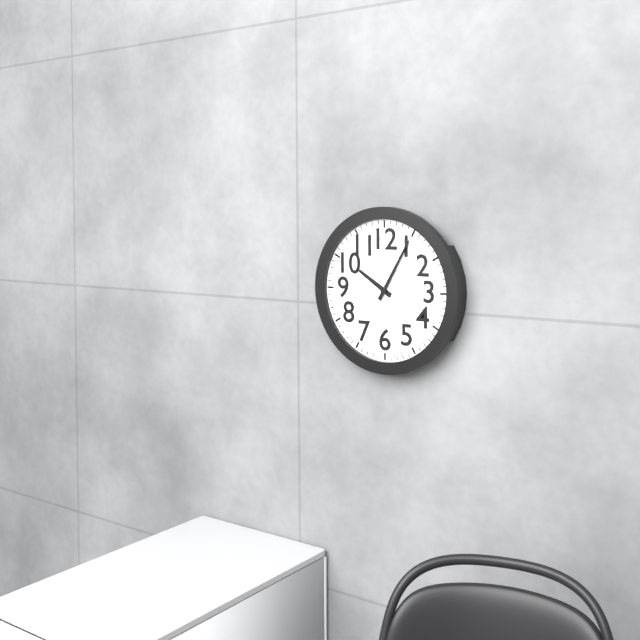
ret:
10,05
